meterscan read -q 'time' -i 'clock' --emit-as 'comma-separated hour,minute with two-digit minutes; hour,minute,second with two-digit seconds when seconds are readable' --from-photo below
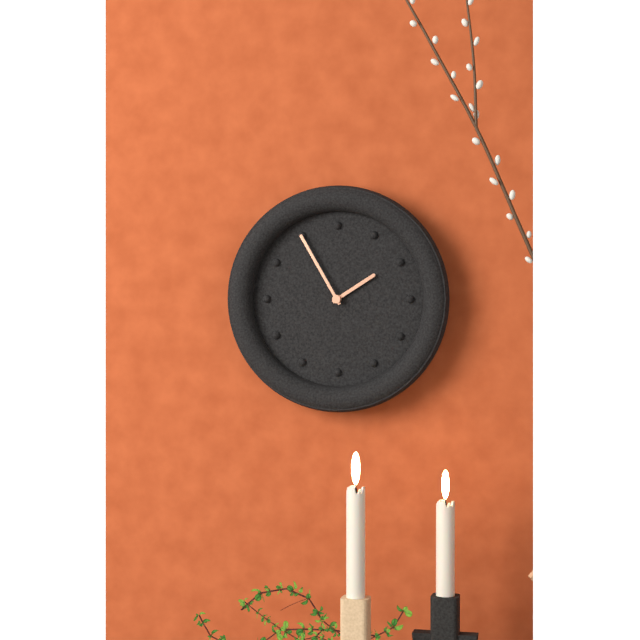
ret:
1,55
